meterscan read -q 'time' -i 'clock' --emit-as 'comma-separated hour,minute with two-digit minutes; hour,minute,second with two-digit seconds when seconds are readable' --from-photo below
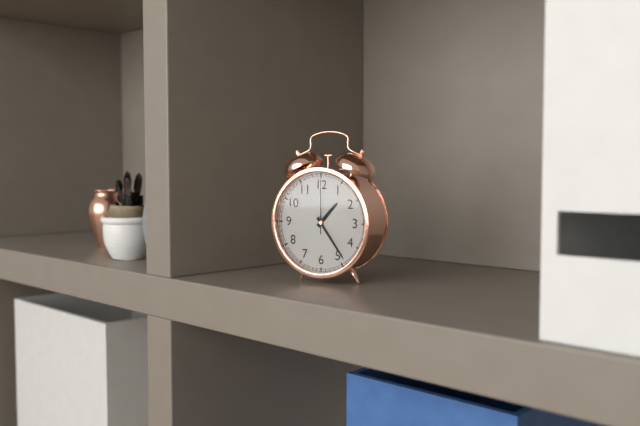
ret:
1,24,00
